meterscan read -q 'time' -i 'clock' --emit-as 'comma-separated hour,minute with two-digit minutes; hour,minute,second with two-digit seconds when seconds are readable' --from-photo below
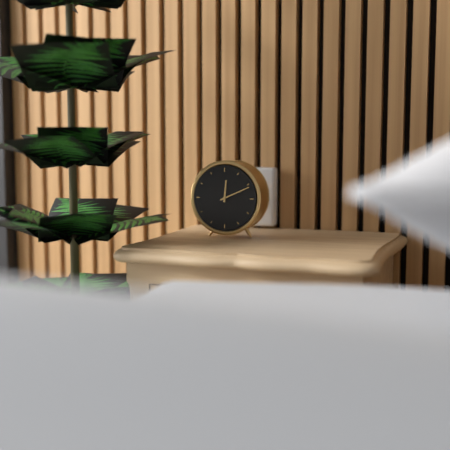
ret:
12,11
